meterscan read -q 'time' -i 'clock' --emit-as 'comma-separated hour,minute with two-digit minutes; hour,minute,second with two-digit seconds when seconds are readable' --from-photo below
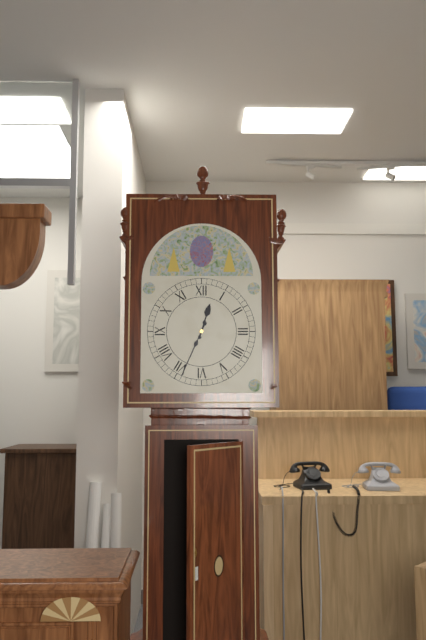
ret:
12,34
